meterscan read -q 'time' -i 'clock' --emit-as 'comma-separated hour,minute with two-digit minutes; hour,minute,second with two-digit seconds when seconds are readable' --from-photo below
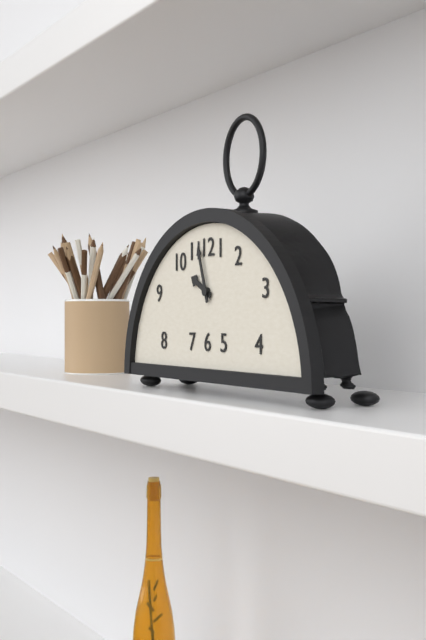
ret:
9,57
